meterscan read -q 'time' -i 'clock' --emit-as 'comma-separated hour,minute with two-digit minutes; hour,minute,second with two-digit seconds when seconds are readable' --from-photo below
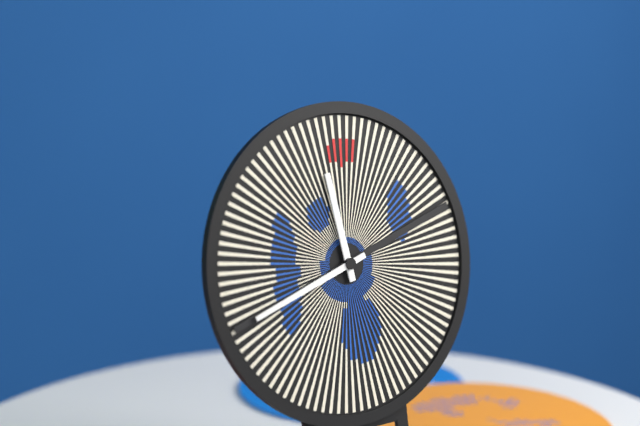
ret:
11,42
